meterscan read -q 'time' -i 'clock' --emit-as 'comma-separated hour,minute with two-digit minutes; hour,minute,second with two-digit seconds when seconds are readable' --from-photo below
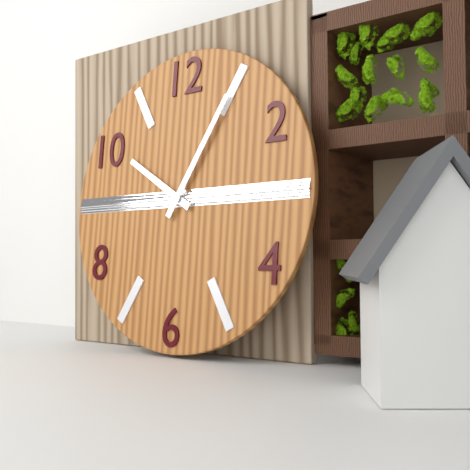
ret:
10,05
